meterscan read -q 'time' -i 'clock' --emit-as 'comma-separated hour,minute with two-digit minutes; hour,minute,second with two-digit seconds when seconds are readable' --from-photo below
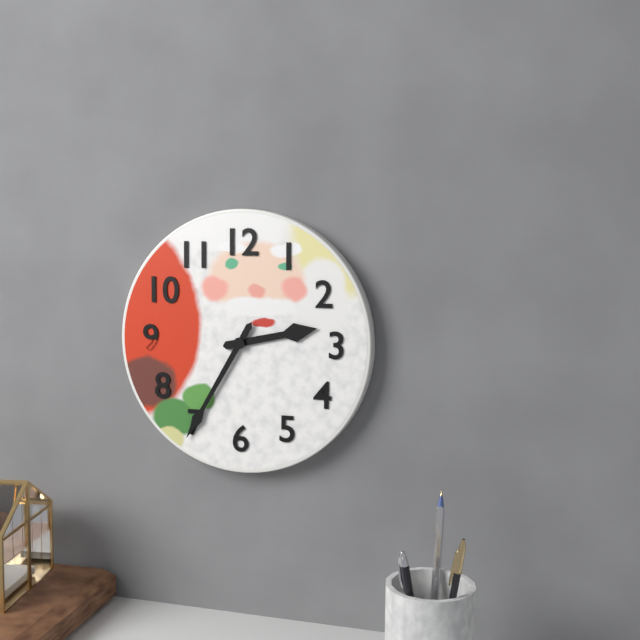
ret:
2,35
